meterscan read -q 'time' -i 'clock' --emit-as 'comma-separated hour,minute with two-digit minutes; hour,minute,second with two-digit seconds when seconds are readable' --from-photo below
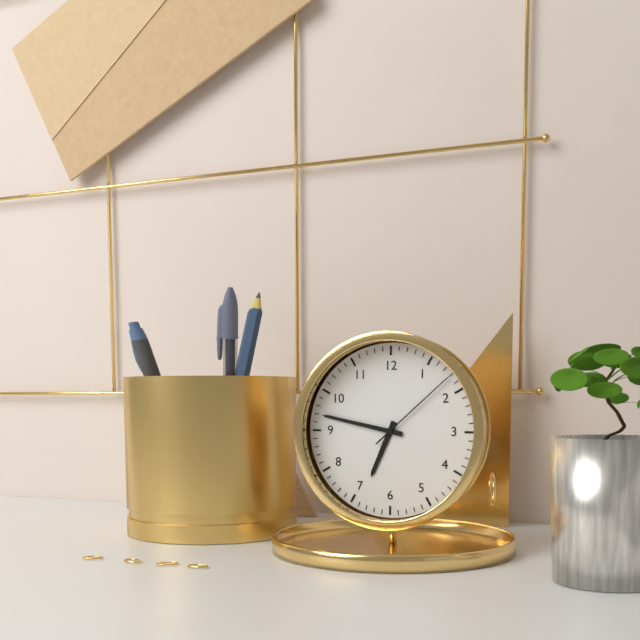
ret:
6,47,08
